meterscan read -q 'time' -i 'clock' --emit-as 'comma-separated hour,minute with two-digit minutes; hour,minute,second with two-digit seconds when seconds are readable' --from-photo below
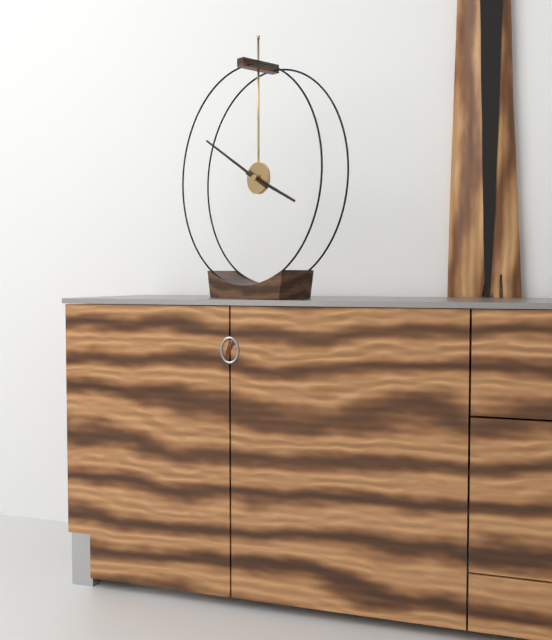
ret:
3,50
